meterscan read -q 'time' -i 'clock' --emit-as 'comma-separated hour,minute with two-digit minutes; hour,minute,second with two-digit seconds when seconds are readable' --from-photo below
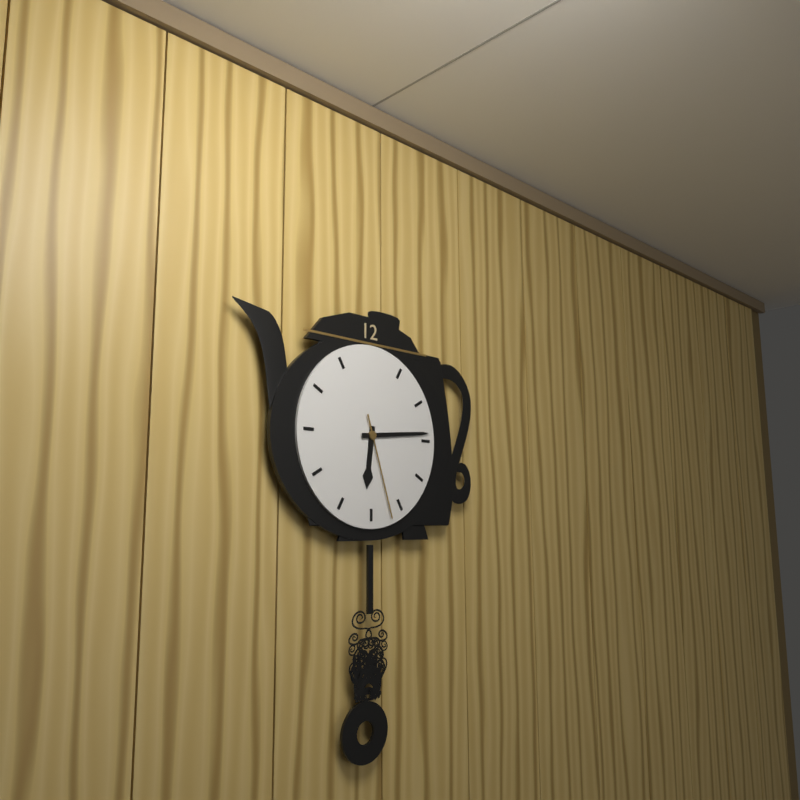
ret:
6,14,27
